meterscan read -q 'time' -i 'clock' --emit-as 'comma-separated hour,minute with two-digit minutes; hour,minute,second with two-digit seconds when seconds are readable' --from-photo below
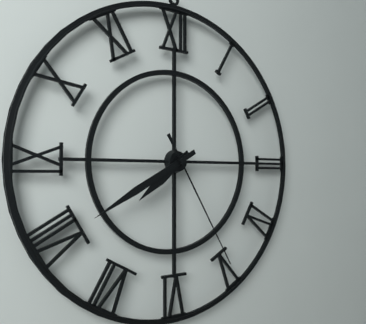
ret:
7,40,25
